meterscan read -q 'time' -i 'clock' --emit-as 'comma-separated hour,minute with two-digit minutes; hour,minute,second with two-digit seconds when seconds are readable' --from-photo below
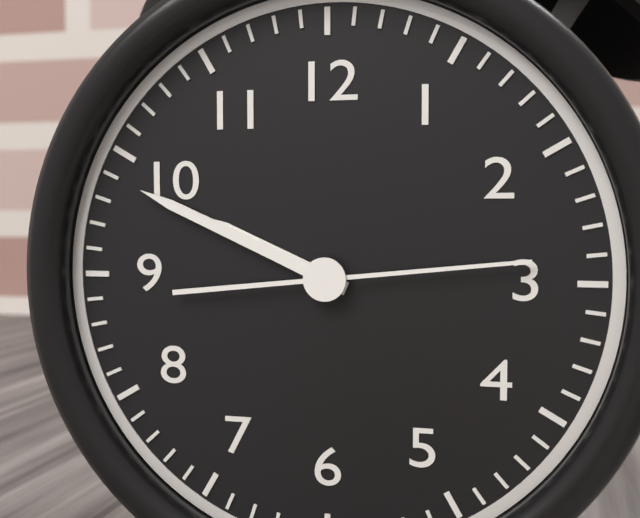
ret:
9,49,14
